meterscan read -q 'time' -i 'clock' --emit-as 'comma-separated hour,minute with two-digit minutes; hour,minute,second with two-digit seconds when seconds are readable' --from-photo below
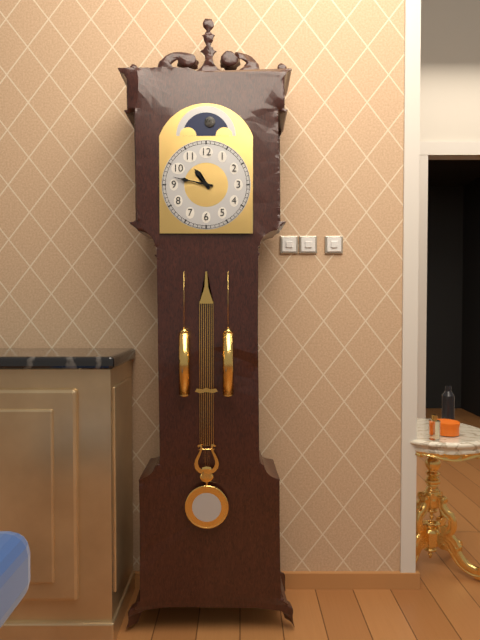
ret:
10,47
